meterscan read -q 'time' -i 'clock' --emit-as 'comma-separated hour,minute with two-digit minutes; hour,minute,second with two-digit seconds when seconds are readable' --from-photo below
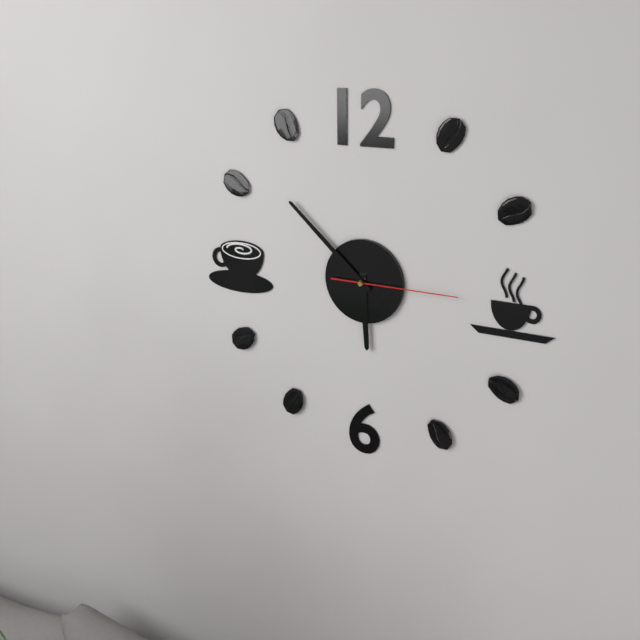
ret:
5,52,15
